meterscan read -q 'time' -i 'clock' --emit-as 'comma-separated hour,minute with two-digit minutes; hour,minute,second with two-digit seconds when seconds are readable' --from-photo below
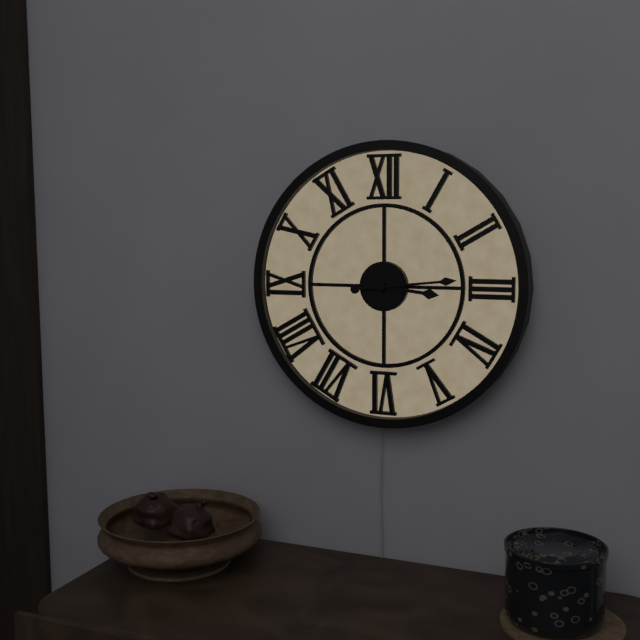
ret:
3,14
